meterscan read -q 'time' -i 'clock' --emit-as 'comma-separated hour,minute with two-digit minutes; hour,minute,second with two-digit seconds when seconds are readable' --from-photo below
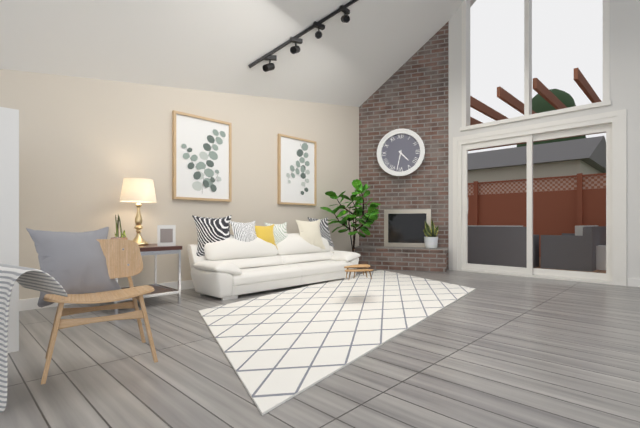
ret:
4,32
